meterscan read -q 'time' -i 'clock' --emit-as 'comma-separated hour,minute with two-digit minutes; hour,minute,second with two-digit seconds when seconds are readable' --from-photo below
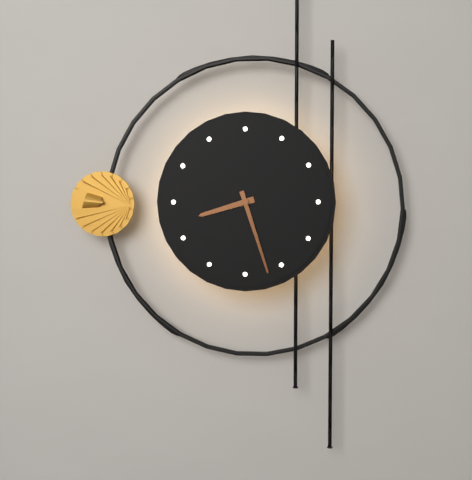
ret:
8,27
